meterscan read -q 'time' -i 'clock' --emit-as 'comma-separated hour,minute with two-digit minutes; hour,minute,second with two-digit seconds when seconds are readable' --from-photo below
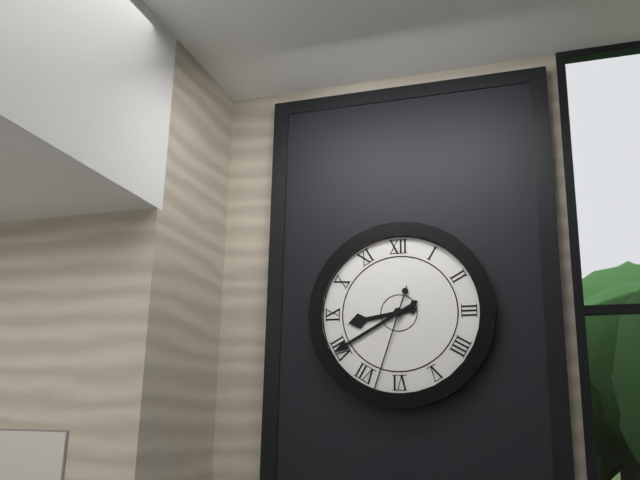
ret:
8,40,33
